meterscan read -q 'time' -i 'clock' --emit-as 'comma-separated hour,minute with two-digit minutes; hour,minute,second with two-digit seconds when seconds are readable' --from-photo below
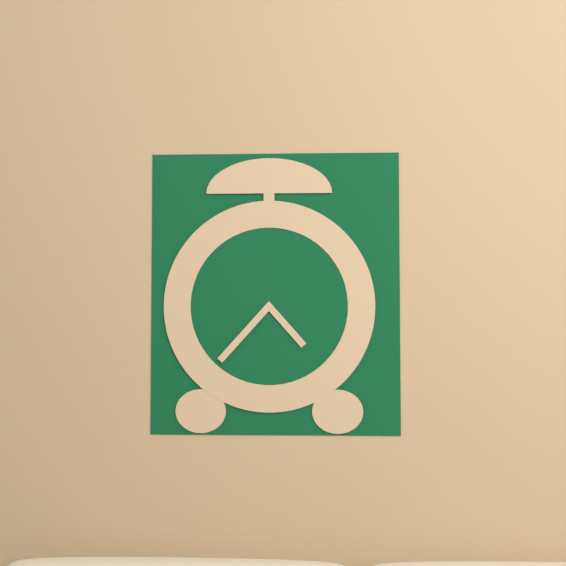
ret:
4,37
